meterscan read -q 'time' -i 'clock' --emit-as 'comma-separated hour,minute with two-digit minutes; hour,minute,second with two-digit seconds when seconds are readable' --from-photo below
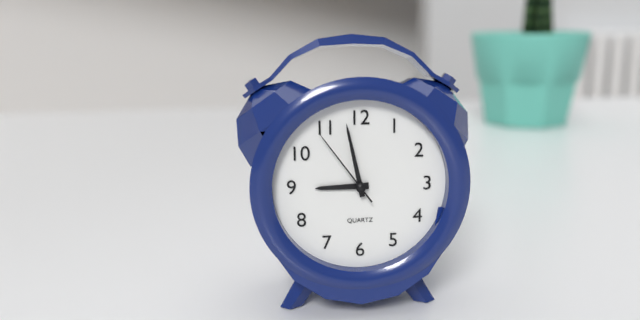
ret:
8,58,54
